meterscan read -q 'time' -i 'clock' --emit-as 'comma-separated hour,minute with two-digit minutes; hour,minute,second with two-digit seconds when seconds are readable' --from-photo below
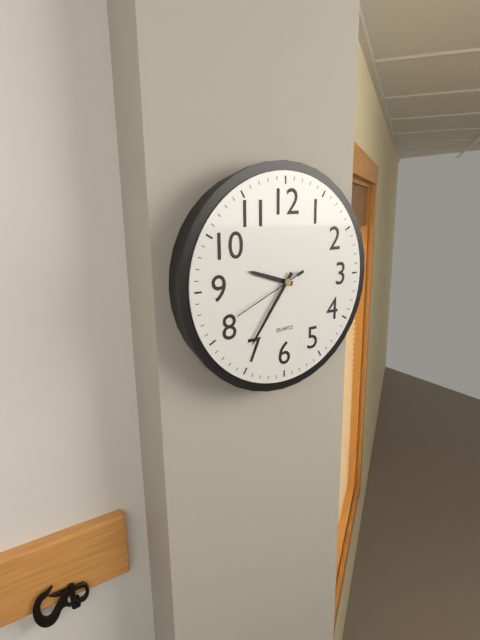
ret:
9,36,41
